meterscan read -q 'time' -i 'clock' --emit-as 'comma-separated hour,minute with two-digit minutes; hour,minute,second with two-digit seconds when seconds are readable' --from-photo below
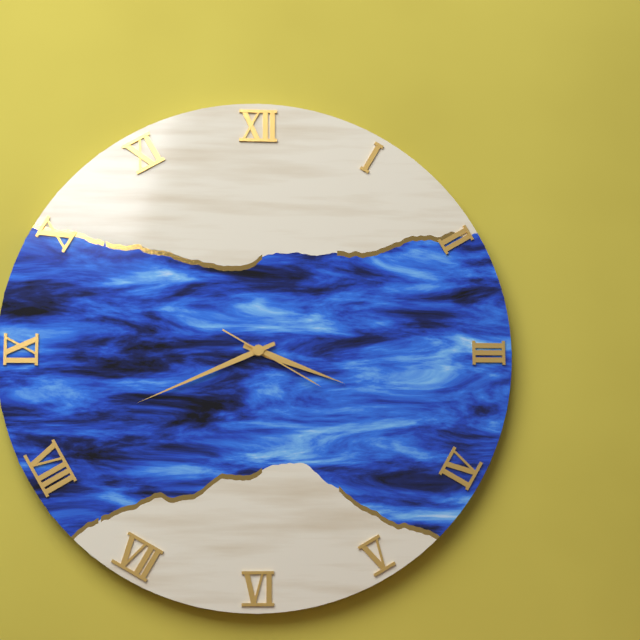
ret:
3,41,20
